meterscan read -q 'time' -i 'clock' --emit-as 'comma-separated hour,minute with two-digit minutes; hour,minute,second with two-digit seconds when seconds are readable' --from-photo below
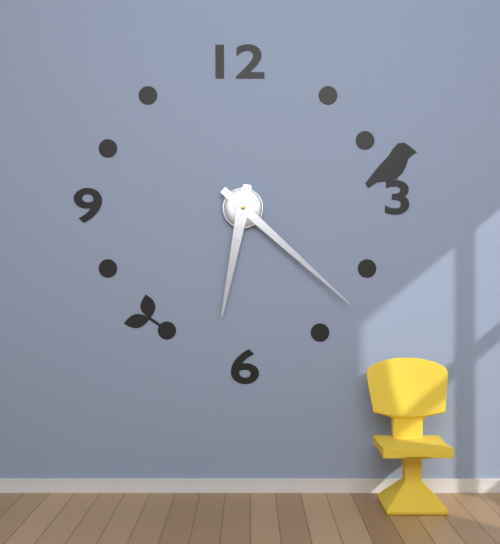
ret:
6,22
